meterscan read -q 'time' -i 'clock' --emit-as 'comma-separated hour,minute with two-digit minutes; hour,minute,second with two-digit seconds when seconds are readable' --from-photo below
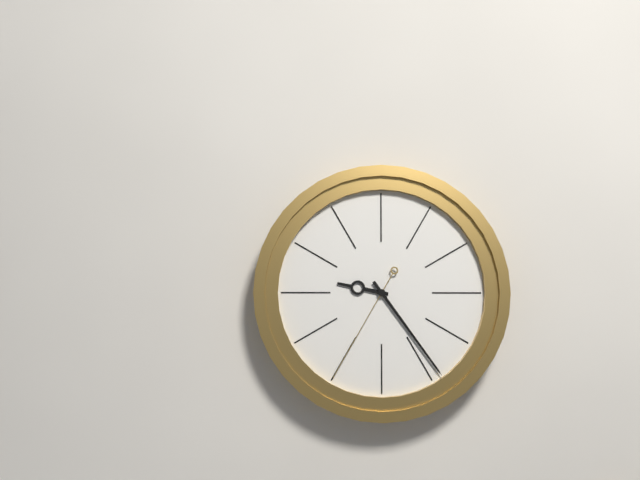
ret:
9,24,35
